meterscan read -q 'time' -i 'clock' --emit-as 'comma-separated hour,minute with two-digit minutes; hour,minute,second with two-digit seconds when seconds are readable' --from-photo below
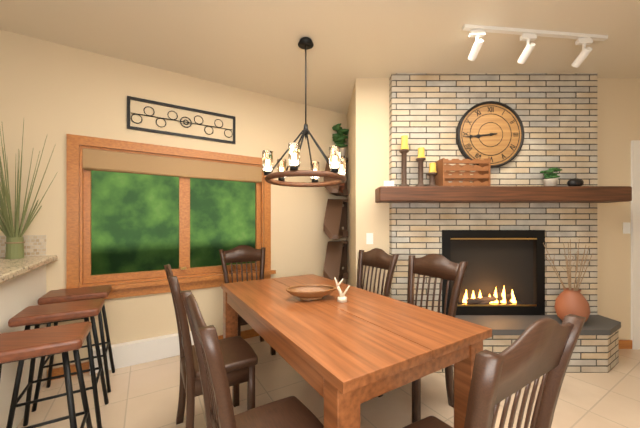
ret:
8,44
